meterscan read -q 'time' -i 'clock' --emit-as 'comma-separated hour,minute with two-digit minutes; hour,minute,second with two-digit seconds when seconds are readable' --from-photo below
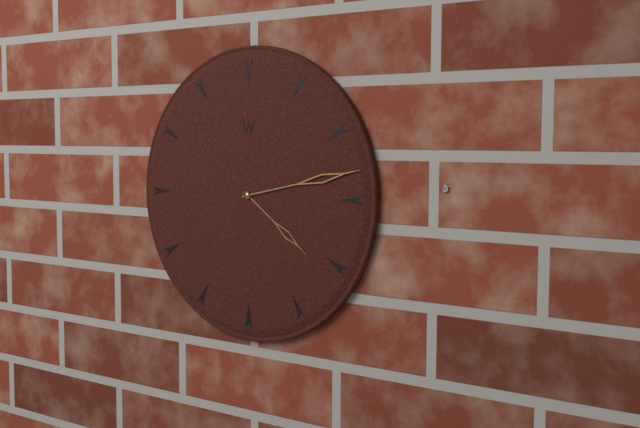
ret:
4,13
